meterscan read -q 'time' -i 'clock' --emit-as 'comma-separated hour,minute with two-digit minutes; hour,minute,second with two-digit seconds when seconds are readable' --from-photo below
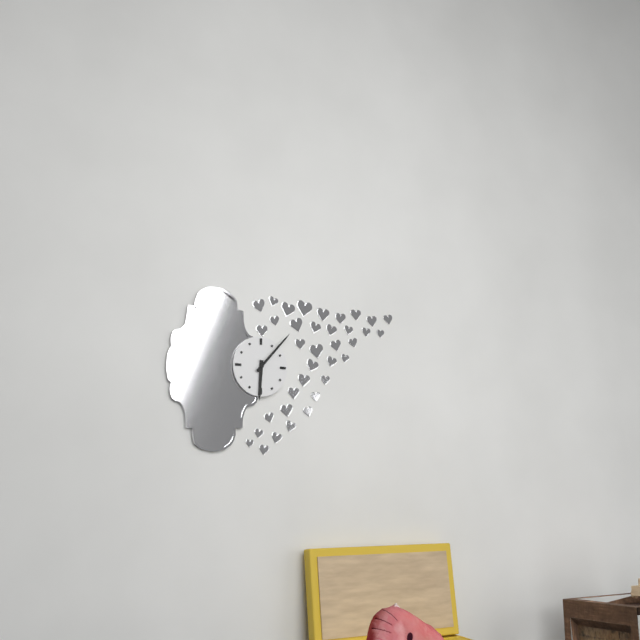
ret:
6,07
